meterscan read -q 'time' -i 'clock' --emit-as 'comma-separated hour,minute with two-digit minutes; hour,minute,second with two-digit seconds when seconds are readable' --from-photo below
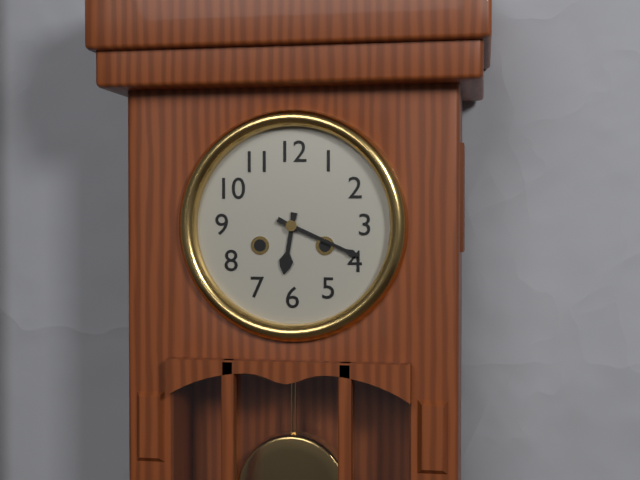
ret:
6,19
